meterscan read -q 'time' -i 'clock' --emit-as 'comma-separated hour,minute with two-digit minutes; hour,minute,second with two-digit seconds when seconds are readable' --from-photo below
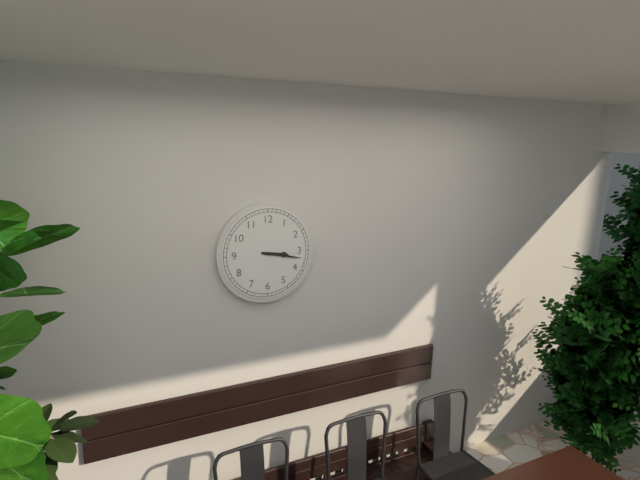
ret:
3,17
